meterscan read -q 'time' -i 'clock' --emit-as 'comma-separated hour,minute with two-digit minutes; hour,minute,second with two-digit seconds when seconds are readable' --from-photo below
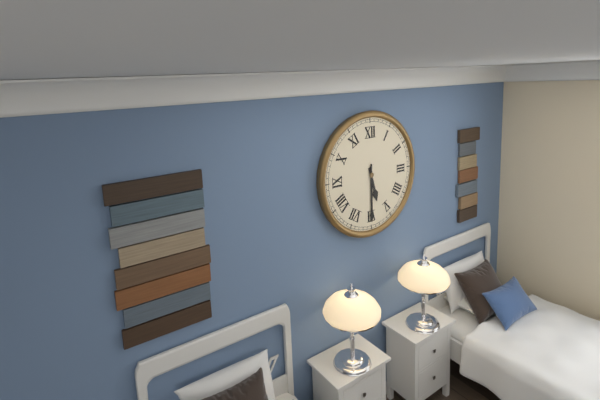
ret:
5,30
